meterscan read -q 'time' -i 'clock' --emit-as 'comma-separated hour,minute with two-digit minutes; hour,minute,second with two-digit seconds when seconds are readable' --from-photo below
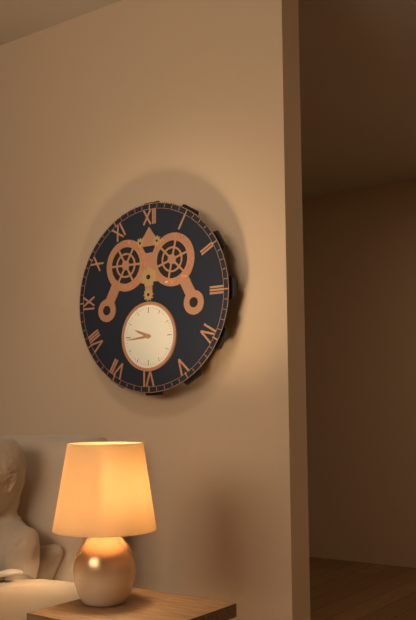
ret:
9,44
